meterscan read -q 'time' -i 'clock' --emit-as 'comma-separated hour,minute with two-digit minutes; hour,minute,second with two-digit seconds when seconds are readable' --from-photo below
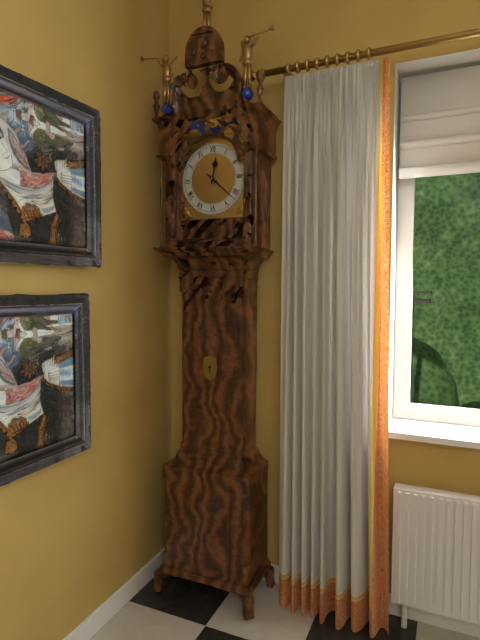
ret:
12,22
